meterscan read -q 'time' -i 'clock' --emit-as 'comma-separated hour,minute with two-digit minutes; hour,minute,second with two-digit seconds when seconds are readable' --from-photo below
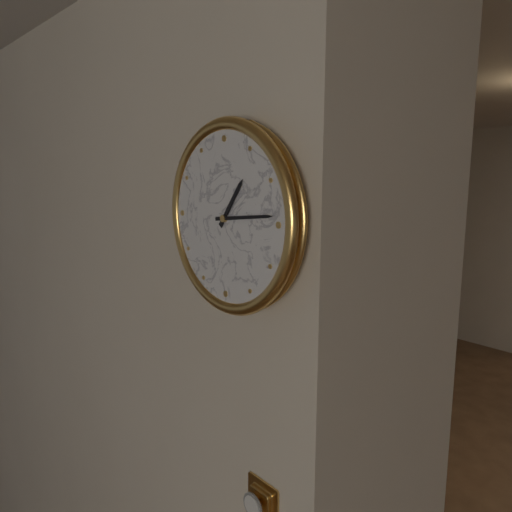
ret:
1,14
